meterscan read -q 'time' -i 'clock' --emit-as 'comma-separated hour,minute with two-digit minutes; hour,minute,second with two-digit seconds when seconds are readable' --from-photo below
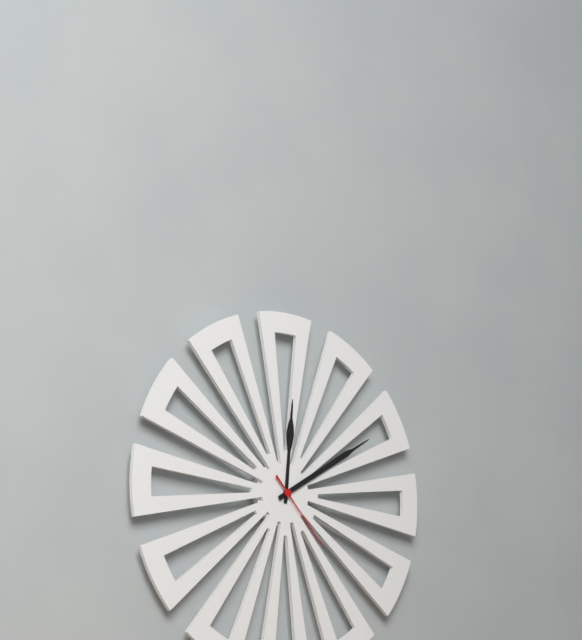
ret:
12,10,23
